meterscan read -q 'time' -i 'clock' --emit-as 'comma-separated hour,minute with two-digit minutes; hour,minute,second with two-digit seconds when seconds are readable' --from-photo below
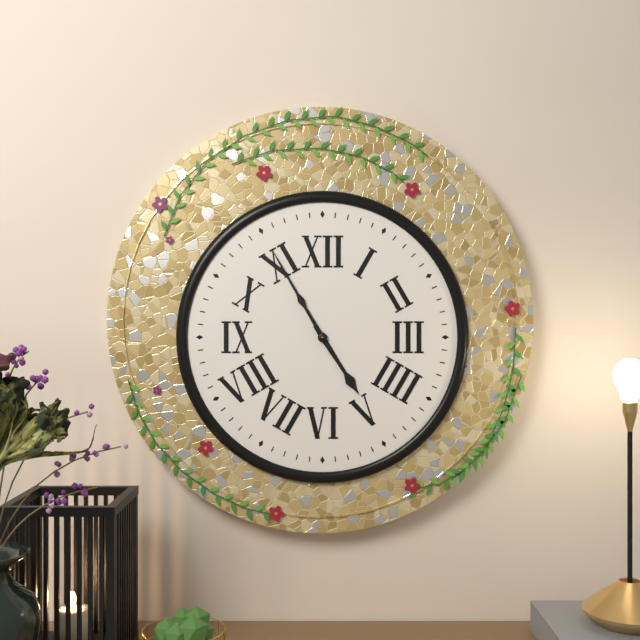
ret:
4,55
